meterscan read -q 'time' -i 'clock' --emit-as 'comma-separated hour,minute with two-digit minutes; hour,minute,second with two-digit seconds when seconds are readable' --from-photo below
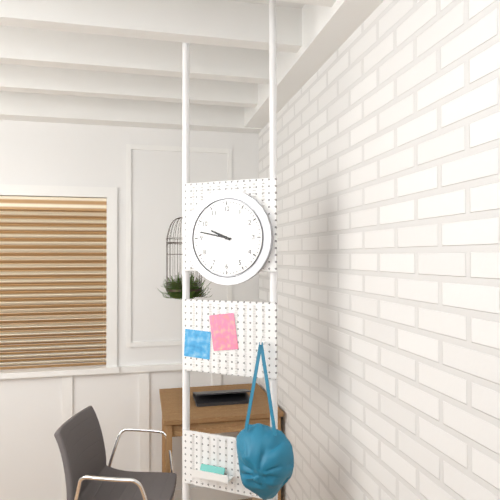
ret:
9,47
